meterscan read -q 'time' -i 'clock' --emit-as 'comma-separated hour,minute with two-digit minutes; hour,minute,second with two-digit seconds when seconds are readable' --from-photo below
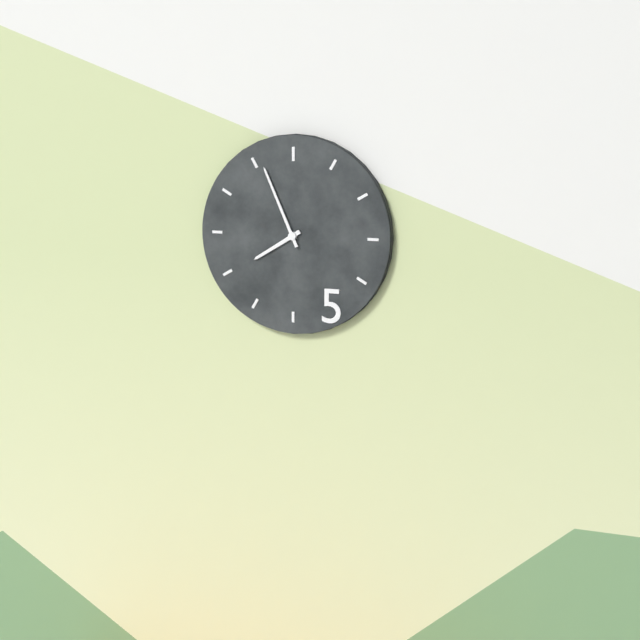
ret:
7,56
